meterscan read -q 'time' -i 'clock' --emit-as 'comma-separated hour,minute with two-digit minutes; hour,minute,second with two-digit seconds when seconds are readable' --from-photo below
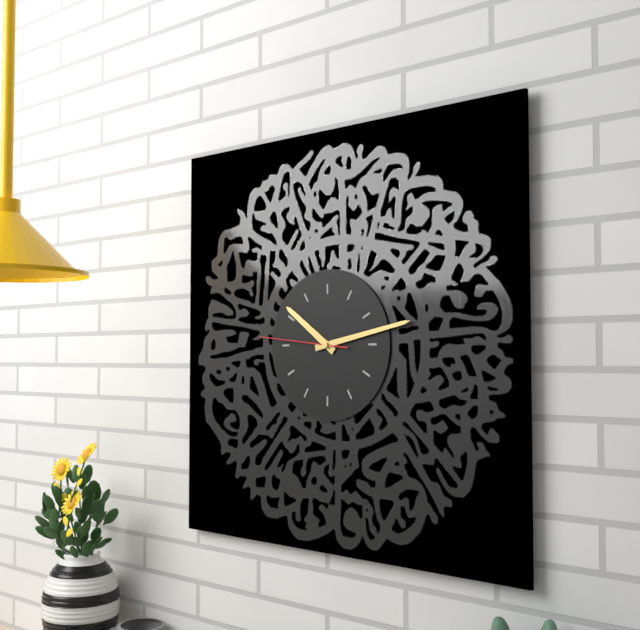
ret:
10,13,46
